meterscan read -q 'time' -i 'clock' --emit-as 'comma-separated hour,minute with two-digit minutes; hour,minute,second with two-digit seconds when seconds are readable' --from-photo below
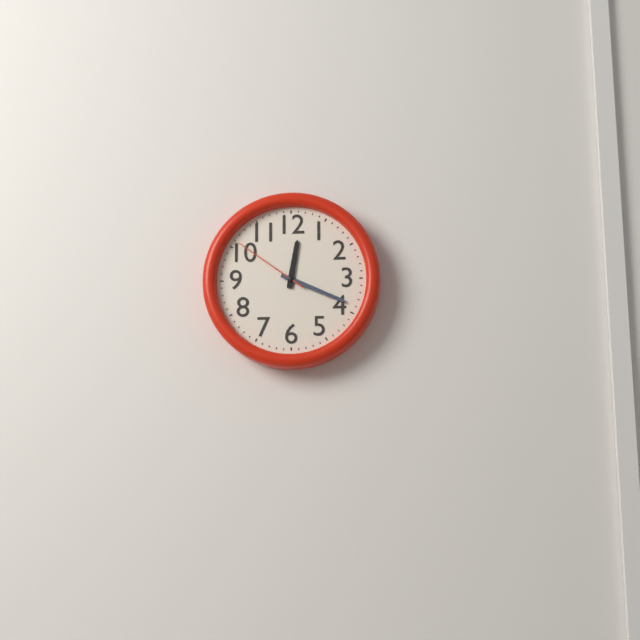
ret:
12,19,51
